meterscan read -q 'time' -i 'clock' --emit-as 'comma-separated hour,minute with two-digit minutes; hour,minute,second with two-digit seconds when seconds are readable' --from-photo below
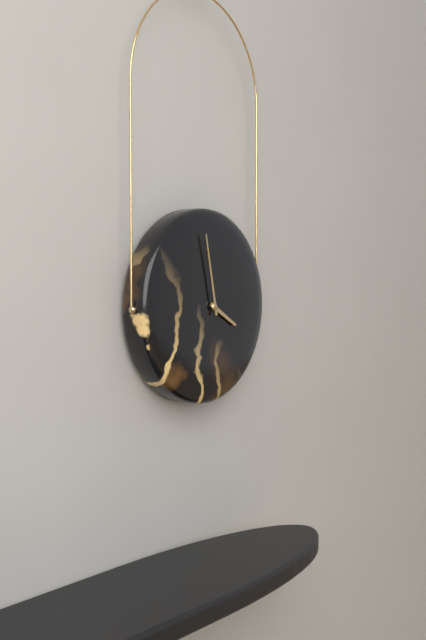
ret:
3,58
